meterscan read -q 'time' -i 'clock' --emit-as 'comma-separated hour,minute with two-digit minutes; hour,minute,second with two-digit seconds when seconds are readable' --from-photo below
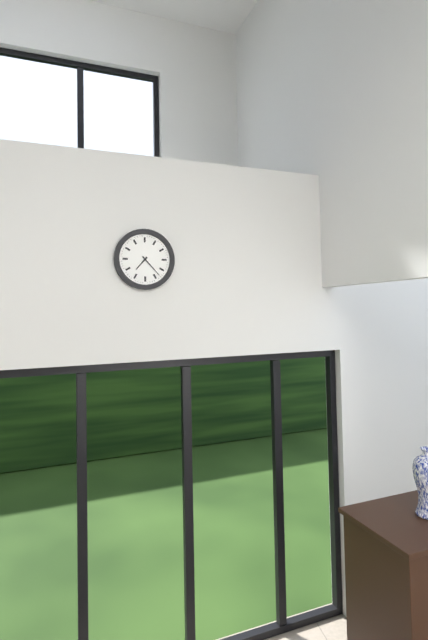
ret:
7,23
